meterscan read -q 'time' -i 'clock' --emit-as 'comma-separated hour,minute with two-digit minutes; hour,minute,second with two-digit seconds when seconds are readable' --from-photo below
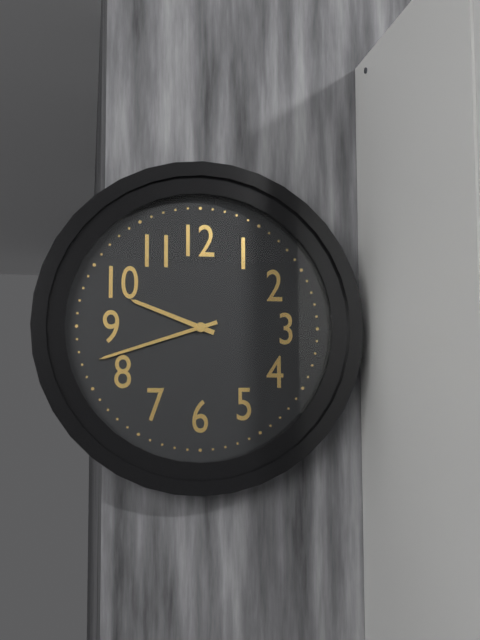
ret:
9,42
